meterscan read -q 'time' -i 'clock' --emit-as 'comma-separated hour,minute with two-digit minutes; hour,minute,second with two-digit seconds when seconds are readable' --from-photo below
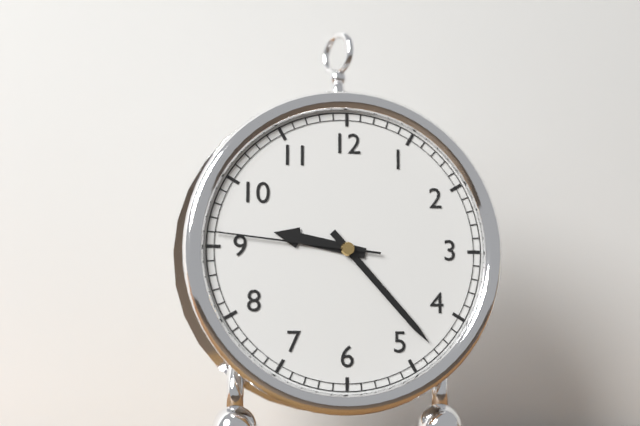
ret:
9,23,46
